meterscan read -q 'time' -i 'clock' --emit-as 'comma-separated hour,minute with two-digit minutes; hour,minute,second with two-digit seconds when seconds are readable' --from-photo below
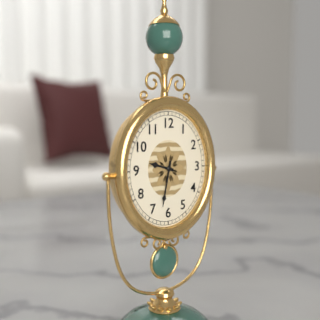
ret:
9,32
